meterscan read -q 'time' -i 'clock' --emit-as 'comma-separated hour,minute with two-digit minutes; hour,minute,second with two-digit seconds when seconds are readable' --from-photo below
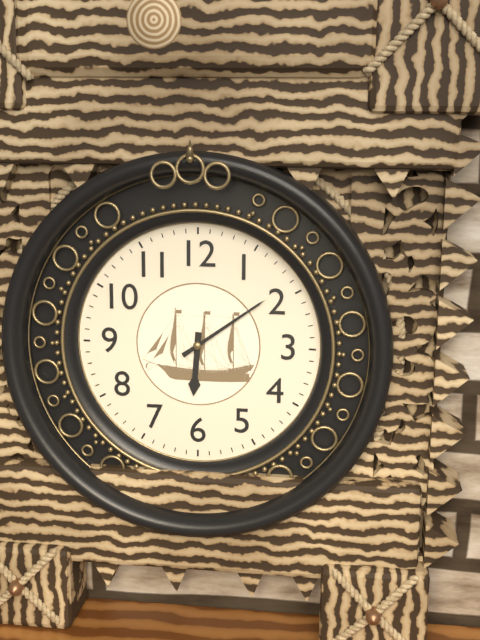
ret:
6,09
